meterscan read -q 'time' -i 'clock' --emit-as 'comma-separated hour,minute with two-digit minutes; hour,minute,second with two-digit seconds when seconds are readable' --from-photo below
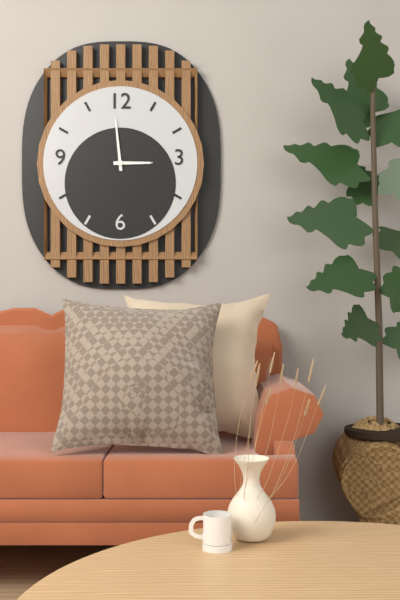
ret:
2,59
